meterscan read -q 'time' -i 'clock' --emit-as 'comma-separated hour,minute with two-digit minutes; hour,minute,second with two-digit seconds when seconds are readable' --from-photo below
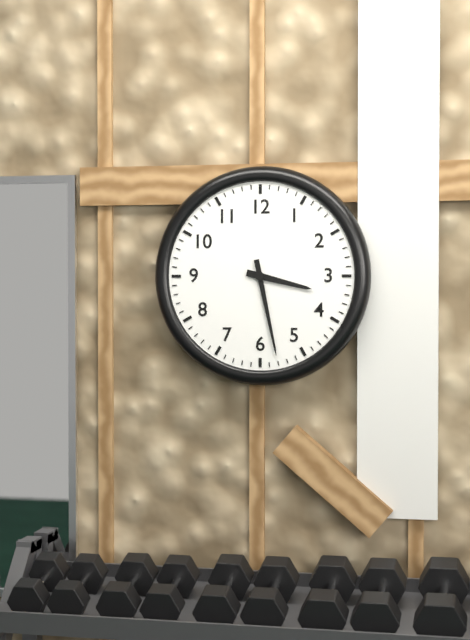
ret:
3,28
